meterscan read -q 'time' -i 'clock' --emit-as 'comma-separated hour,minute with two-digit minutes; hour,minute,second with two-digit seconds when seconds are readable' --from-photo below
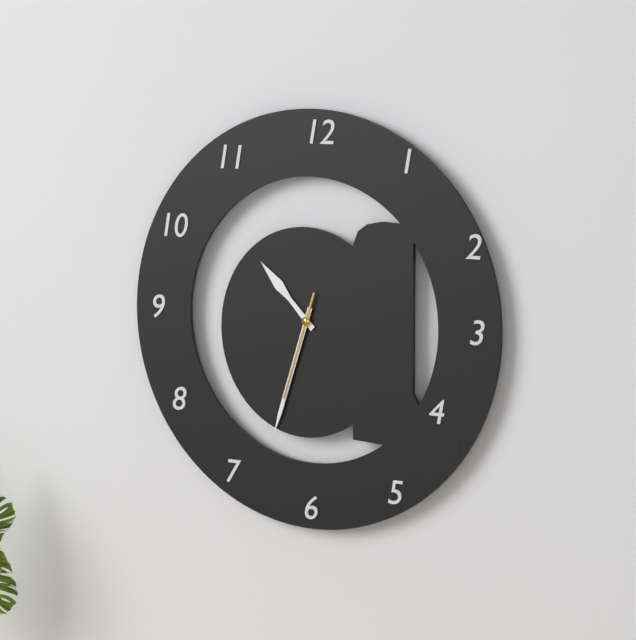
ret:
10,33,33
